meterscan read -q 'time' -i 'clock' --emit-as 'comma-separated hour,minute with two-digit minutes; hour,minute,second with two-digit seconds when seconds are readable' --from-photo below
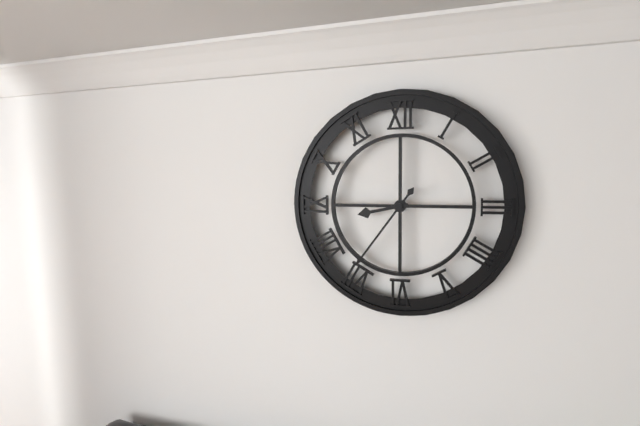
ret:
8,36
